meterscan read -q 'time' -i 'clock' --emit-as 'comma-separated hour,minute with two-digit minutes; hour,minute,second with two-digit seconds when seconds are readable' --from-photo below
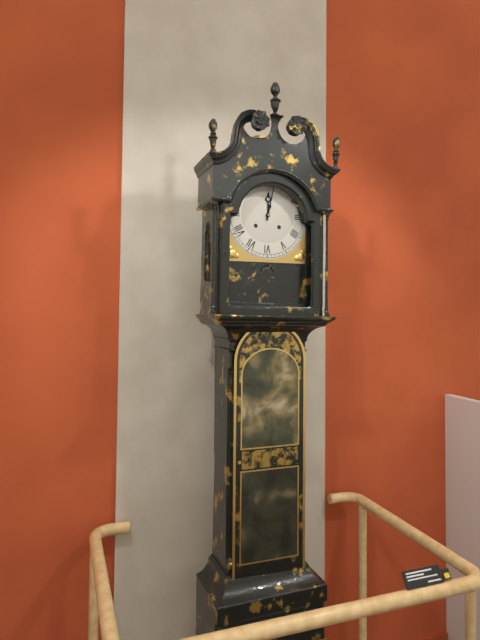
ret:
12,02
